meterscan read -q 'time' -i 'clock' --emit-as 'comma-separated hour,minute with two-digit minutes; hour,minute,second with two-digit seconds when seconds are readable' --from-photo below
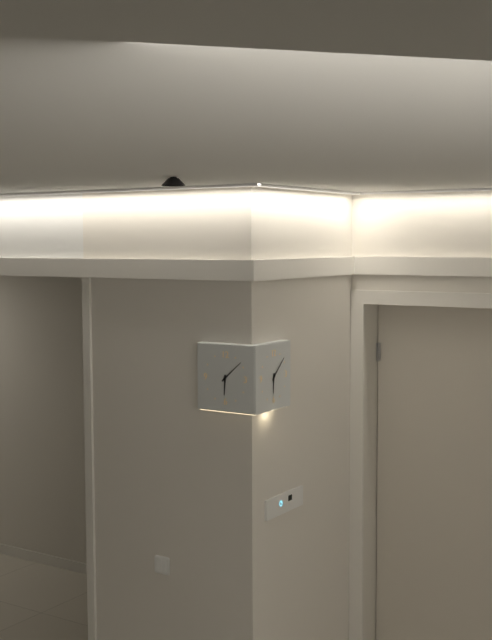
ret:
6,08
